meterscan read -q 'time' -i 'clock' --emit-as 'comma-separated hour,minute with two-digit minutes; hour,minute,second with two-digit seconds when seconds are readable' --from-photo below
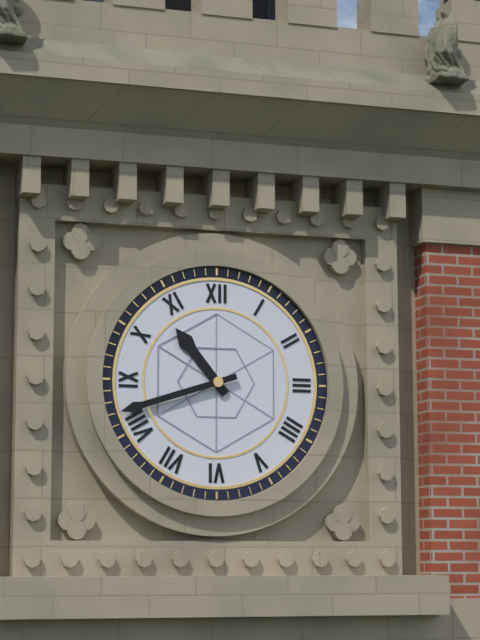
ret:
10,42
